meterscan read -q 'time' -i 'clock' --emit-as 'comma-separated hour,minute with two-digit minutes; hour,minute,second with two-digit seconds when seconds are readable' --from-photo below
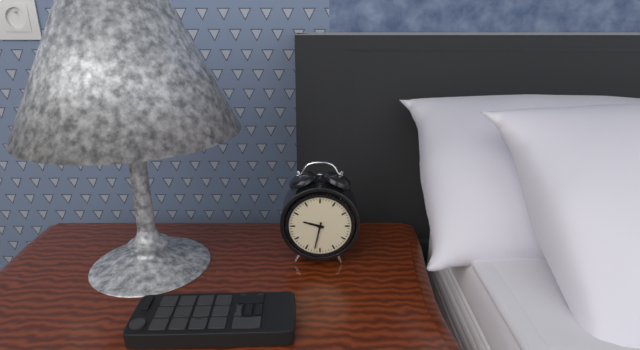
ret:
9,32
